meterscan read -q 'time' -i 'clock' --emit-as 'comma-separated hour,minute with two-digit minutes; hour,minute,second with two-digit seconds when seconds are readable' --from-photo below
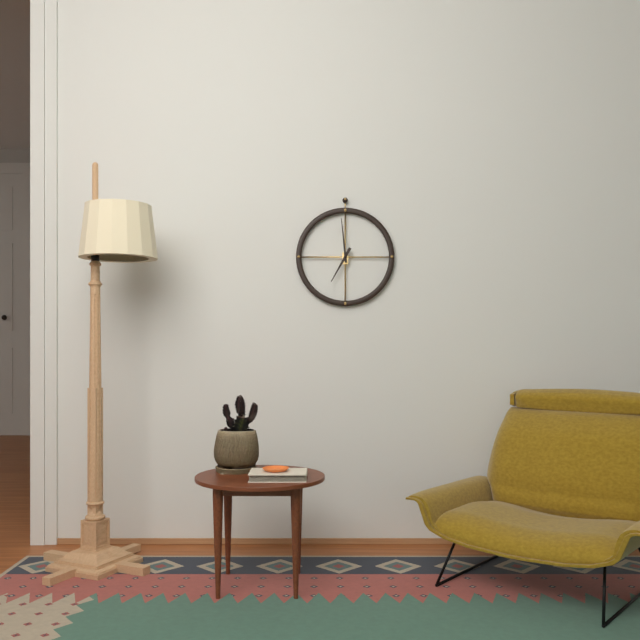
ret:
6,59
